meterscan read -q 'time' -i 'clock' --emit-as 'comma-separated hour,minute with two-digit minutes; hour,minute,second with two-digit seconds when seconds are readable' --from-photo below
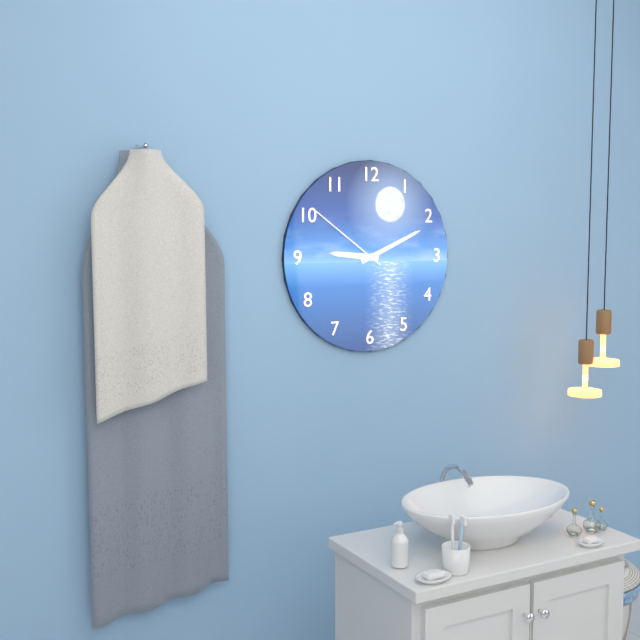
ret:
9,11,51
